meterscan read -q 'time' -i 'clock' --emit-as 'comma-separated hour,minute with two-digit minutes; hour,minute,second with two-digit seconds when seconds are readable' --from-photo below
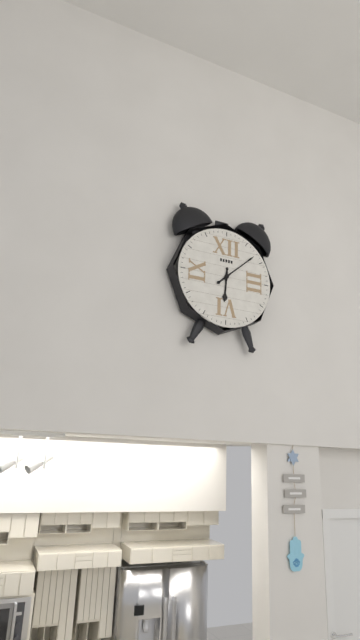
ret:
6,08
